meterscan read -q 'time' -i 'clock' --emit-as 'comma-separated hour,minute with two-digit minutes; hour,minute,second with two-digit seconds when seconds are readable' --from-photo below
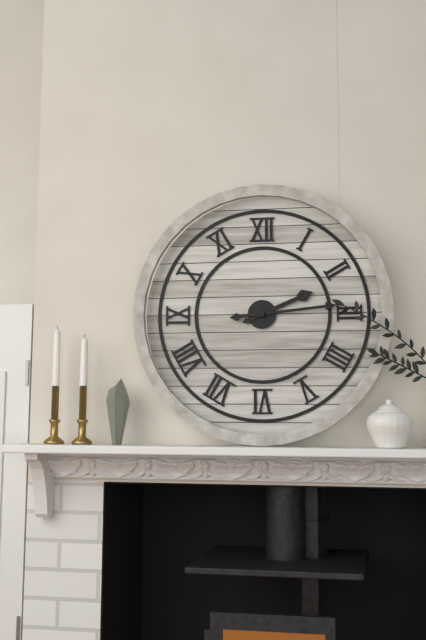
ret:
2,14
